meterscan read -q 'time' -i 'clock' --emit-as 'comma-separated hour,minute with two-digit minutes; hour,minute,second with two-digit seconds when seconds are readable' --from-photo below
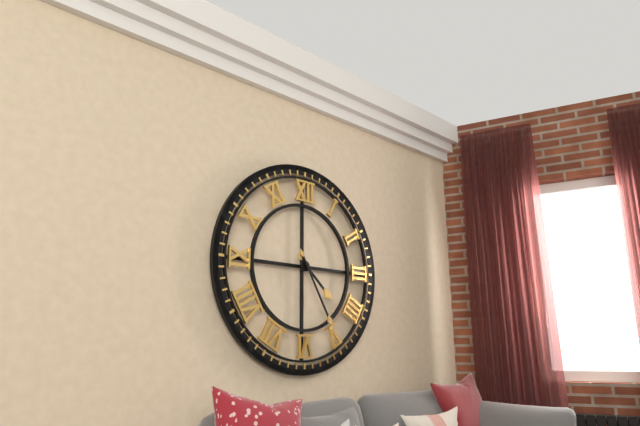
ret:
4,25
